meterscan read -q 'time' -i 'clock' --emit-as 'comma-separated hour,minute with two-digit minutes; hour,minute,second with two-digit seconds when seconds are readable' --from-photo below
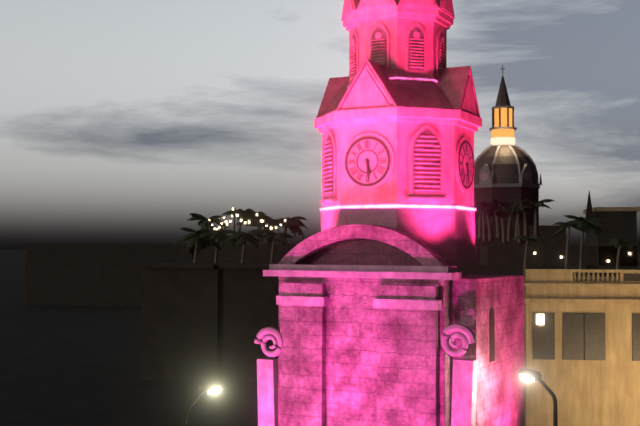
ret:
5,29
